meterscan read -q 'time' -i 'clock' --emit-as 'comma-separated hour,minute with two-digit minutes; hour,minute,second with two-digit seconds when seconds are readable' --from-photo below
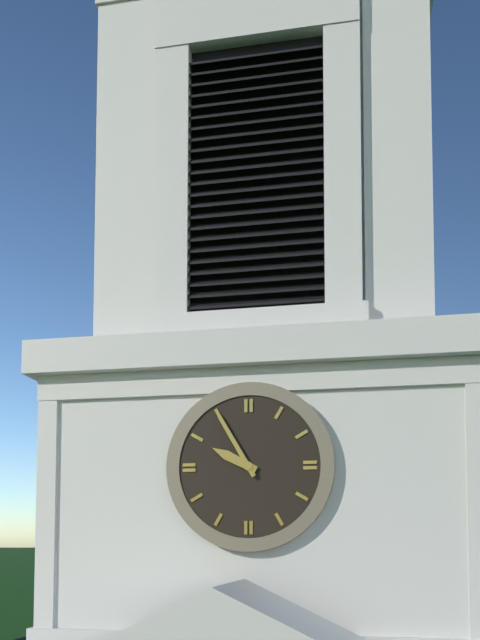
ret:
9,55
